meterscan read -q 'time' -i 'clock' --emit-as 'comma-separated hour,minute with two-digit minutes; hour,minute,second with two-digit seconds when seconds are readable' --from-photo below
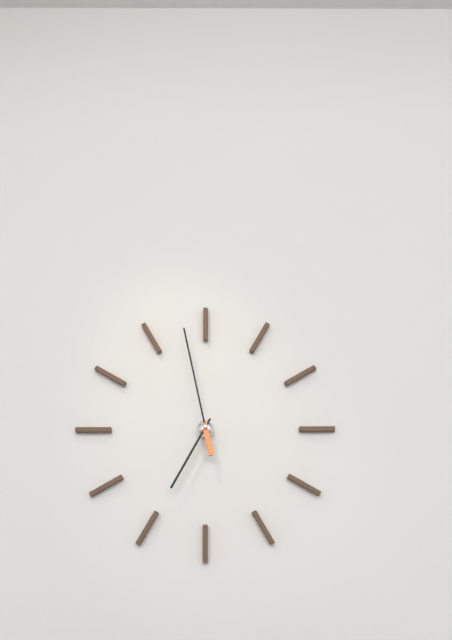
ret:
6,58
